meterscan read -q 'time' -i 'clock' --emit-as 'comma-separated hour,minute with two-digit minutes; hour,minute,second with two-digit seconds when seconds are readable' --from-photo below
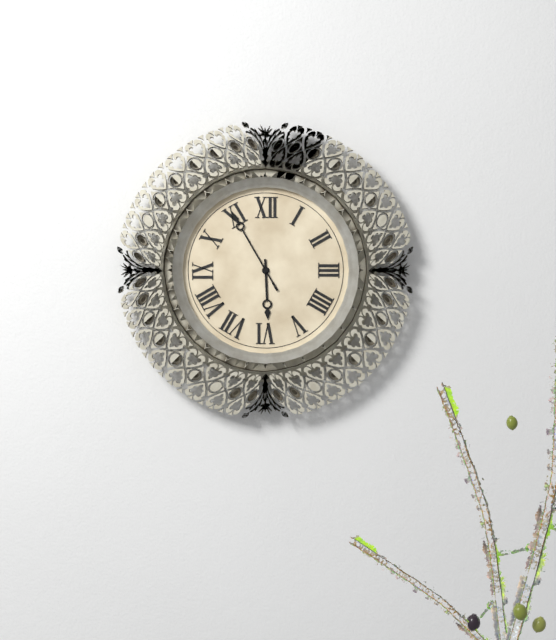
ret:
5,55
